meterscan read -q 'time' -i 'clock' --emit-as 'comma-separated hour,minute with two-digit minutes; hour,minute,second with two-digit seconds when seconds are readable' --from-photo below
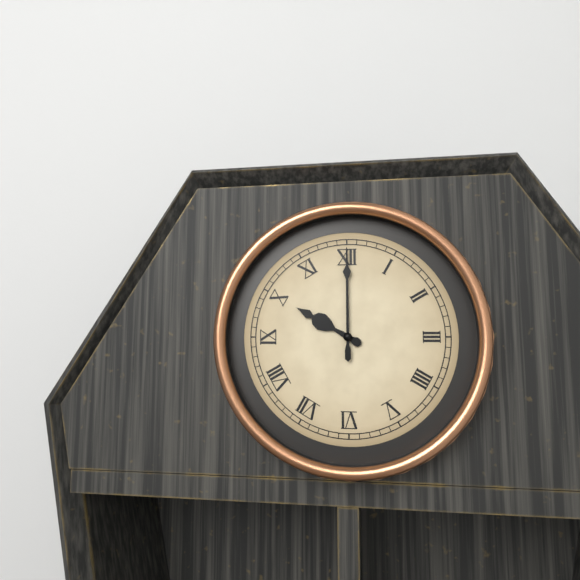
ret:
10,00
